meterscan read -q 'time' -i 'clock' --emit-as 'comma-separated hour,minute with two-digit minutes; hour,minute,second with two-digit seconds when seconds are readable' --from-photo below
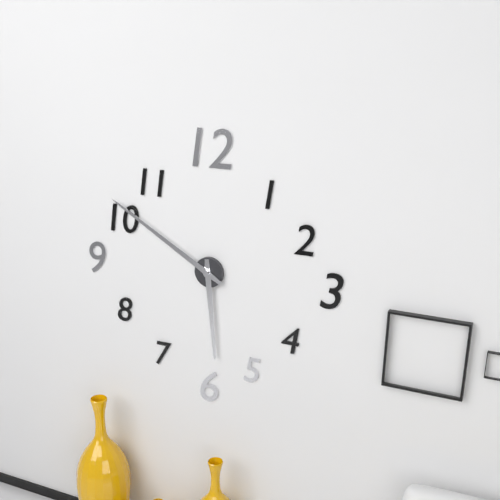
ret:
5,50
